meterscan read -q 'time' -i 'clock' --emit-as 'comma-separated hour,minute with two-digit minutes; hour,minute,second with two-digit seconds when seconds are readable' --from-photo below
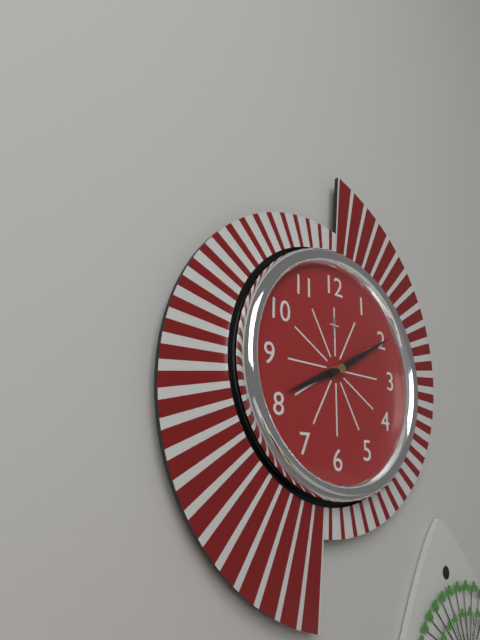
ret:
8,10
